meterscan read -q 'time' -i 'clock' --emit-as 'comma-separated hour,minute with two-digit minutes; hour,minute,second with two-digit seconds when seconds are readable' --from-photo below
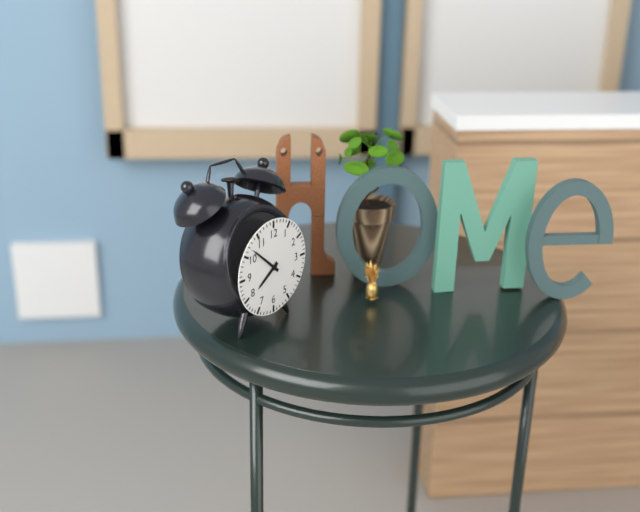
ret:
7,52
